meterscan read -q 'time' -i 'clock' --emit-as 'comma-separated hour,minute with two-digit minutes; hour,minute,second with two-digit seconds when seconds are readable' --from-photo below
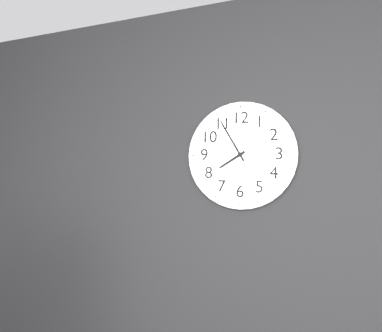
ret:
7,55
